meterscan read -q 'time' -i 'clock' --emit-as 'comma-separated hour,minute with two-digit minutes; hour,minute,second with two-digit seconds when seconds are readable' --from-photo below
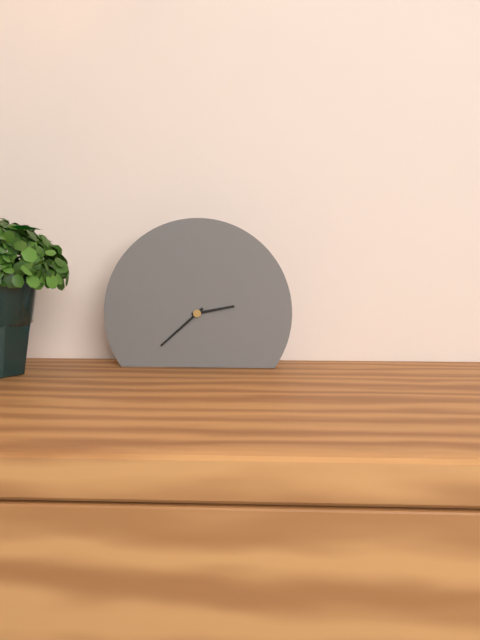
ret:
2,38
